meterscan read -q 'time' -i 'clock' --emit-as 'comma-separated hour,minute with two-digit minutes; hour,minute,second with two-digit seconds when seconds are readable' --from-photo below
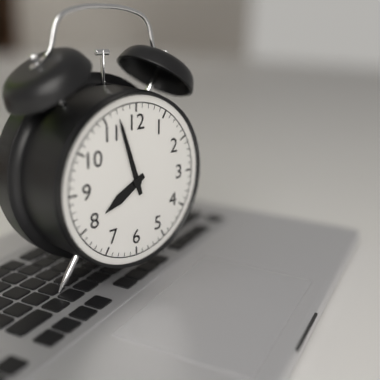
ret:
7,57
